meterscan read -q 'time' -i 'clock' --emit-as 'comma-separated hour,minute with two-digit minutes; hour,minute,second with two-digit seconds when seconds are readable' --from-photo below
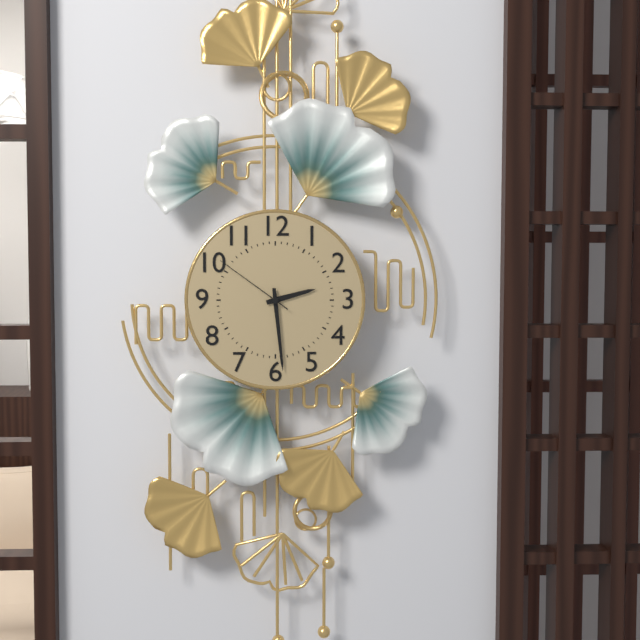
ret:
2,29,51
